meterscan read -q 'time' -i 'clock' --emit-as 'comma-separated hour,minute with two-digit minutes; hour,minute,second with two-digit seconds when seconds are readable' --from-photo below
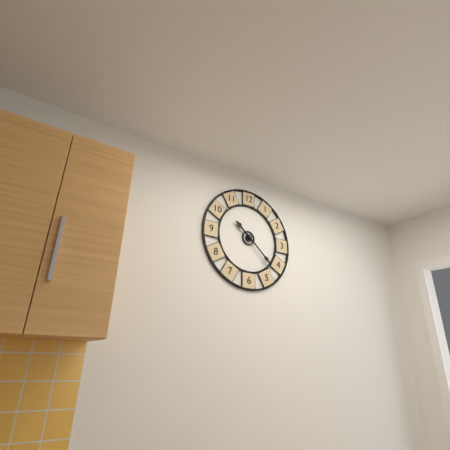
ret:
10,22
